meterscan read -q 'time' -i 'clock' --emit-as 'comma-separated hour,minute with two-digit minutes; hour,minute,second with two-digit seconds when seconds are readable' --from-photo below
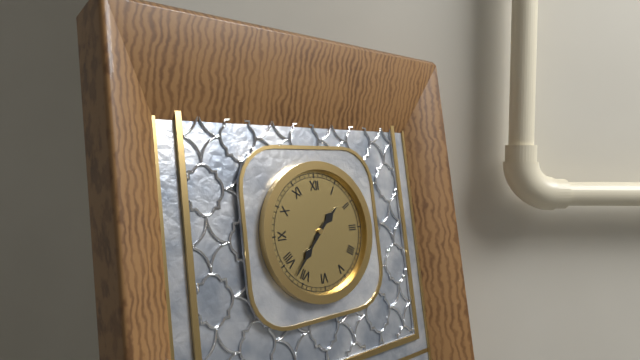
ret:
1,37
